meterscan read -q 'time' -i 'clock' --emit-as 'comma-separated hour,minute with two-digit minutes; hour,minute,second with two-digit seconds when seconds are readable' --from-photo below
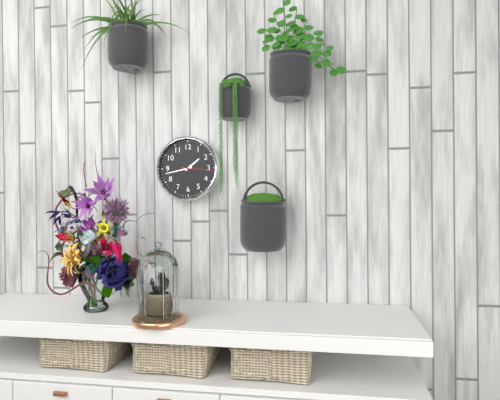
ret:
1,43
